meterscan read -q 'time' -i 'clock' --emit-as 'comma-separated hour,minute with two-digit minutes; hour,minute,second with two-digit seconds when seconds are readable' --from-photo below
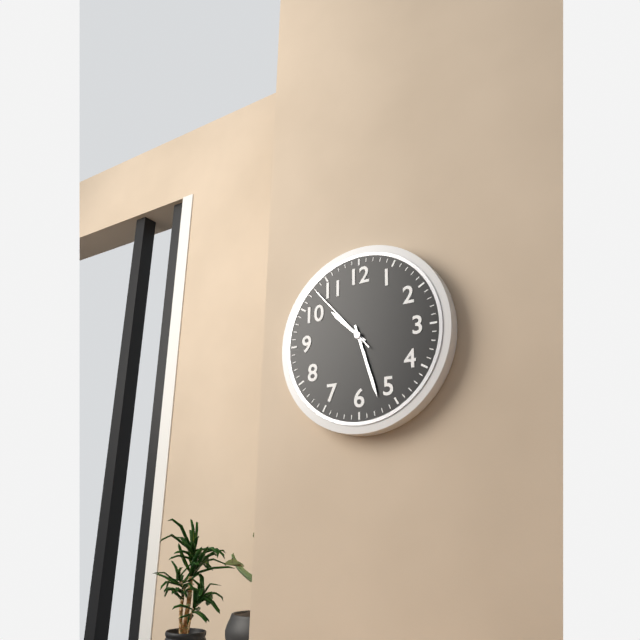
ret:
10,27,53
